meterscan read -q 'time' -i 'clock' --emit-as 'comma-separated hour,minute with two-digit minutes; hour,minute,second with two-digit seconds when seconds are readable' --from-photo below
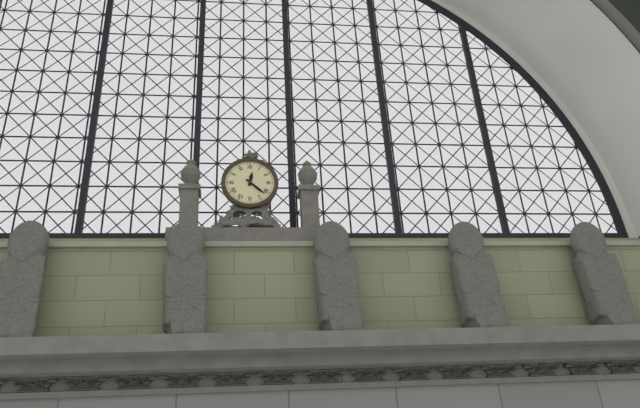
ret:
12,22
